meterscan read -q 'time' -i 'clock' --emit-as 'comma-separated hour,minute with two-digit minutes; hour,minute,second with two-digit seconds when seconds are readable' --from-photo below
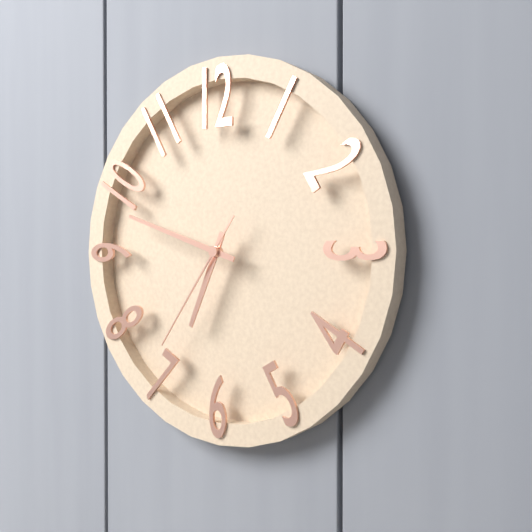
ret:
6,48,36
